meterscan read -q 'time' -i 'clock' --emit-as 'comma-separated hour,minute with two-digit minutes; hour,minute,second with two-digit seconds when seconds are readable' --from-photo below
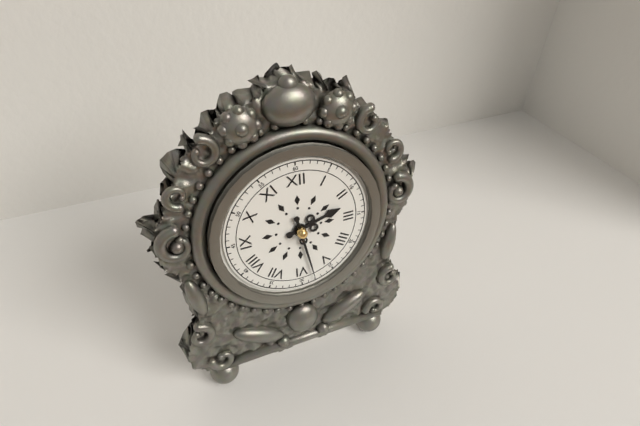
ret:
2,28
